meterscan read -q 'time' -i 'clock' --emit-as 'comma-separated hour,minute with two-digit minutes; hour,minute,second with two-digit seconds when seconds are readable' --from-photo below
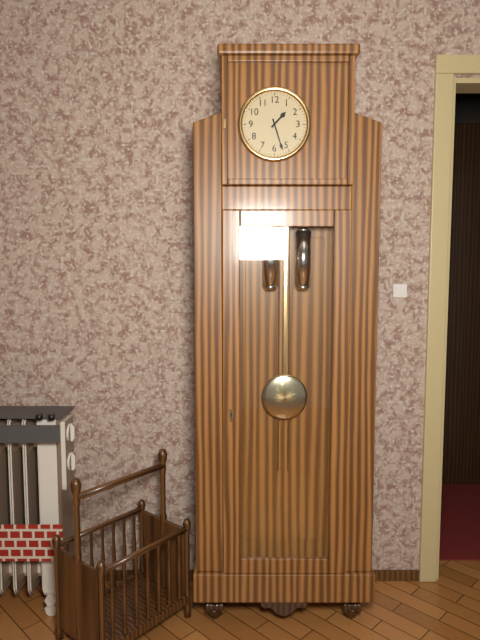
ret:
1,27
